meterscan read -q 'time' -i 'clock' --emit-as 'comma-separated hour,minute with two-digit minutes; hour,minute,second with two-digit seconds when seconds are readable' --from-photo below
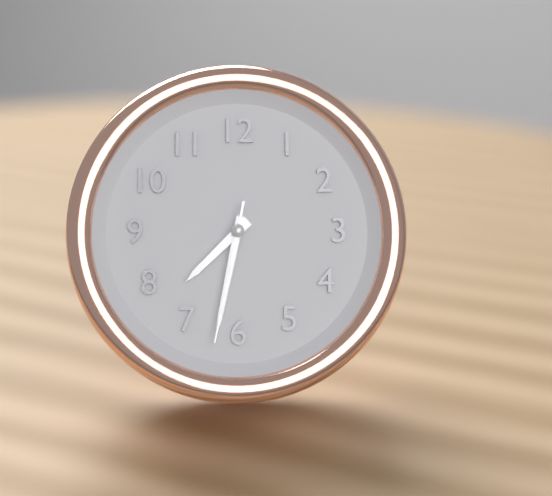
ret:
7,32,32
